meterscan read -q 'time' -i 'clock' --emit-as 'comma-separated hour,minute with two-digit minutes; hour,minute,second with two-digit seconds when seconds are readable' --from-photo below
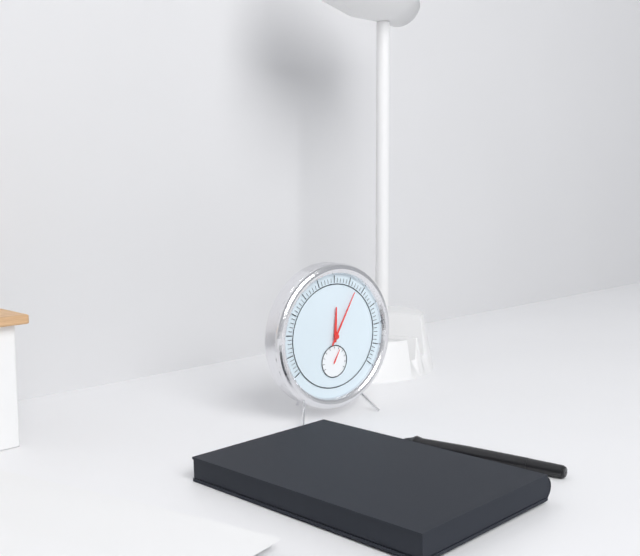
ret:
12,05
